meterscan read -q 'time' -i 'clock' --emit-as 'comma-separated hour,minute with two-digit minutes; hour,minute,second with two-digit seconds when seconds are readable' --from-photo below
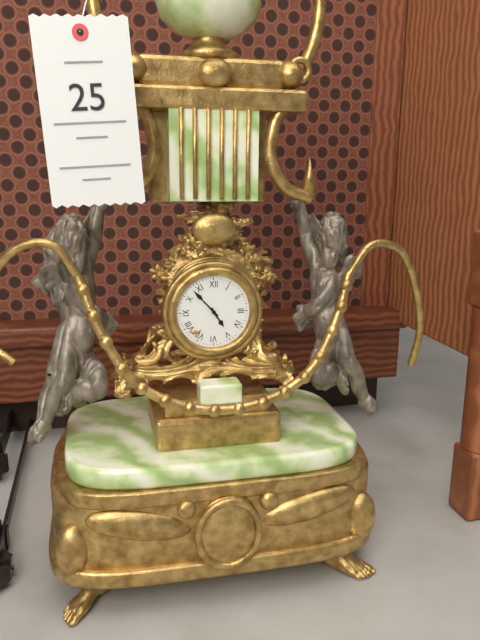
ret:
4,53
